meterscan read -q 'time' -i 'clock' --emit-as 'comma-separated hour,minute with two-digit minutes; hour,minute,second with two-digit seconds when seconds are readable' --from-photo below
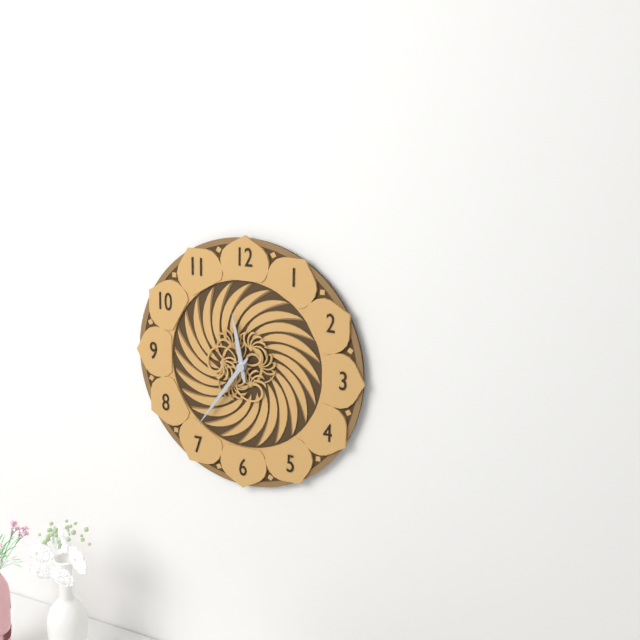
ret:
11,36
